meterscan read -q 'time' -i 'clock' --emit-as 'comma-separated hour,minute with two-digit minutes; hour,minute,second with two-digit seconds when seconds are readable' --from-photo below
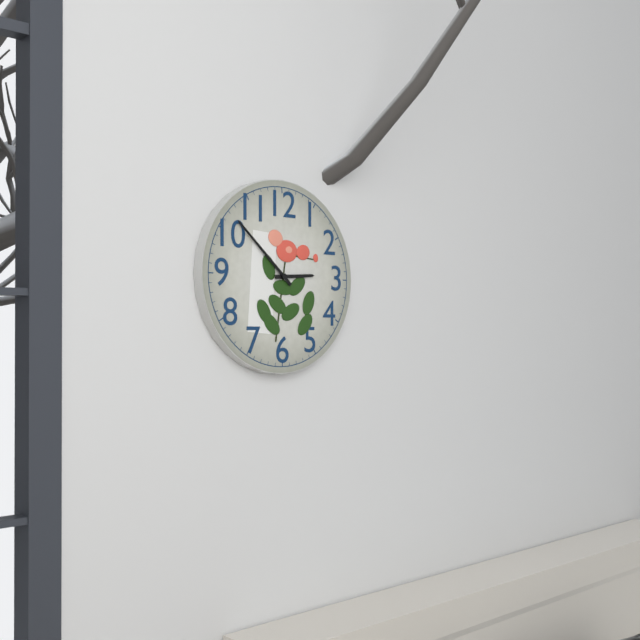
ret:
2,52
